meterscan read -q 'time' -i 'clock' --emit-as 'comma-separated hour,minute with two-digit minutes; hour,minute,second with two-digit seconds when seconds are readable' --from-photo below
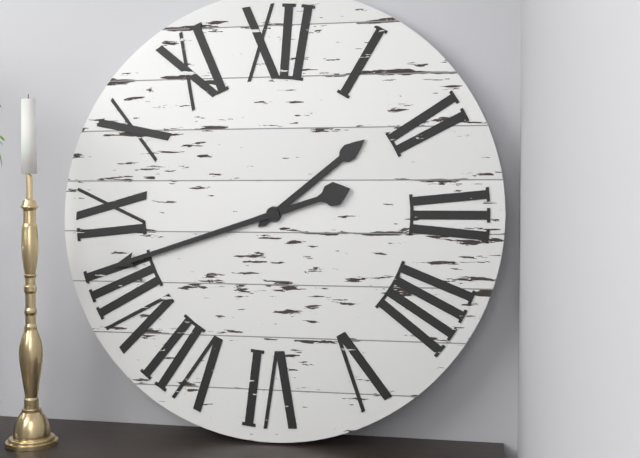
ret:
1,42
